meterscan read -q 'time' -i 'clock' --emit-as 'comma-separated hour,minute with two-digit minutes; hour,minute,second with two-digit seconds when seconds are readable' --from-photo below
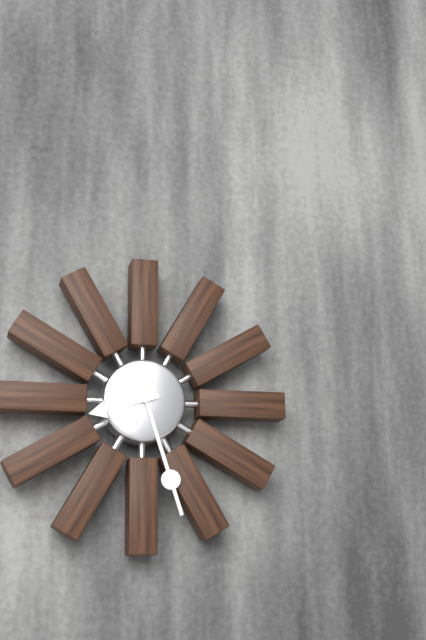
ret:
8,27
